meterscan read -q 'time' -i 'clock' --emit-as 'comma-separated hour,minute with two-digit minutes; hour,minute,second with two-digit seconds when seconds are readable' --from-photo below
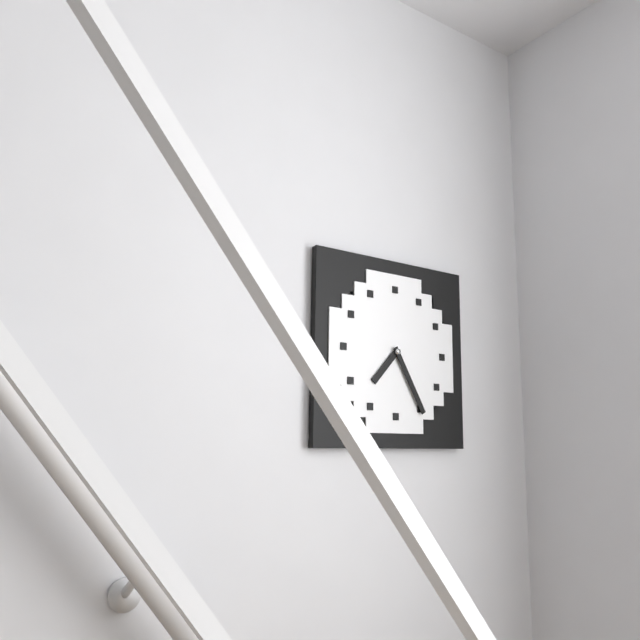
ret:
7,25
